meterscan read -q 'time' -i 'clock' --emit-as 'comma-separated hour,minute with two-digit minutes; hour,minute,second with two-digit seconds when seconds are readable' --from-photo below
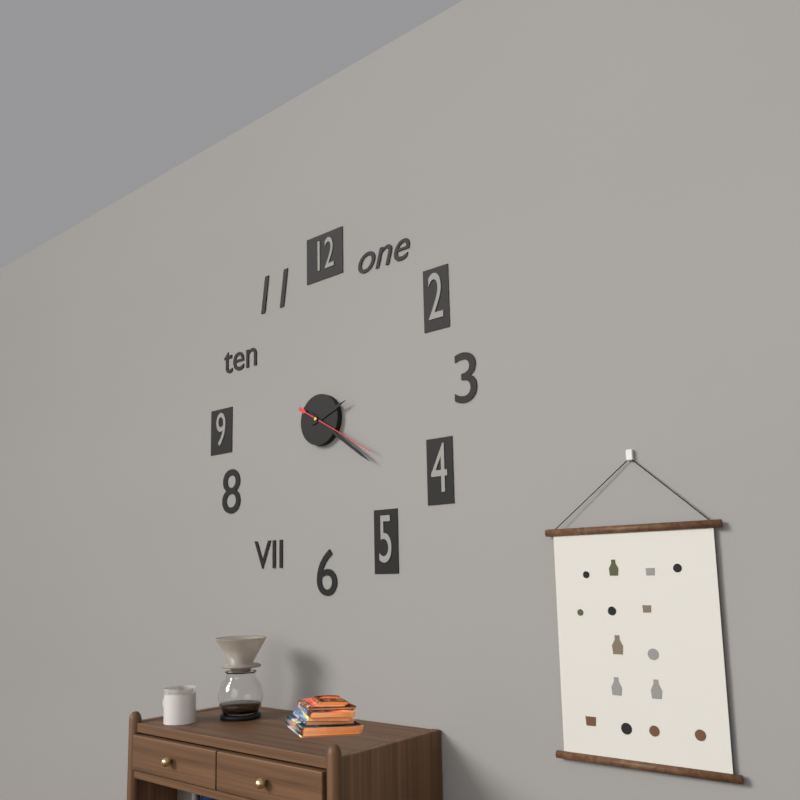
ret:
2,21,20
